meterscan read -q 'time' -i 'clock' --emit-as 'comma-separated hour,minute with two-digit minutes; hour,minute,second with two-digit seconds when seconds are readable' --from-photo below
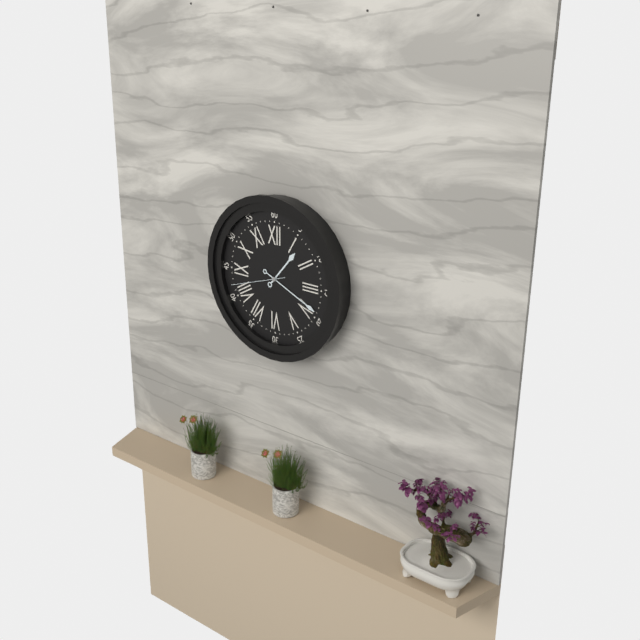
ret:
1,19,42
